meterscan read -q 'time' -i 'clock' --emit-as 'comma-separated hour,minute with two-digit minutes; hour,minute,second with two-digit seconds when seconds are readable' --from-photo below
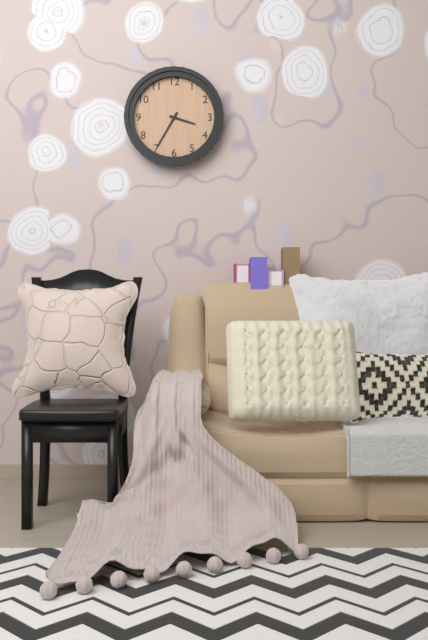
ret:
3,35
